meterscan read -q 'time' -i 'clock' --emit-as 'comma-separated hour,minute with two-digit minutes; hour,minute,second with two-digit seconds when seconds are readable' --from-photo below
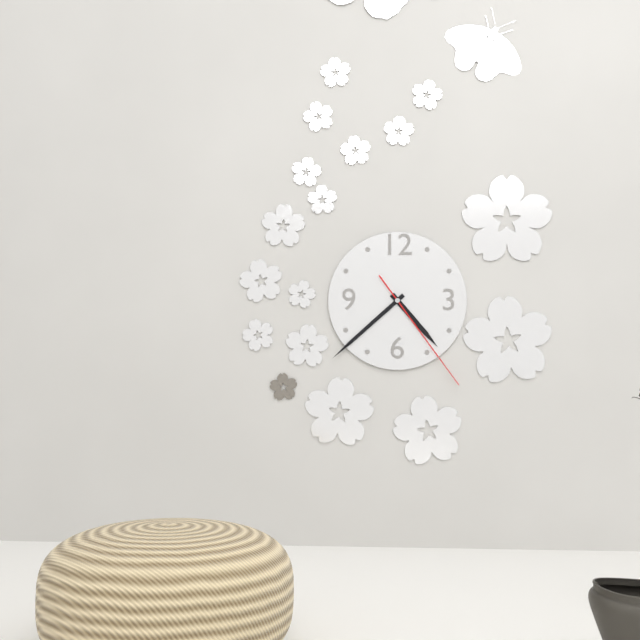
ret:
4,38,24
